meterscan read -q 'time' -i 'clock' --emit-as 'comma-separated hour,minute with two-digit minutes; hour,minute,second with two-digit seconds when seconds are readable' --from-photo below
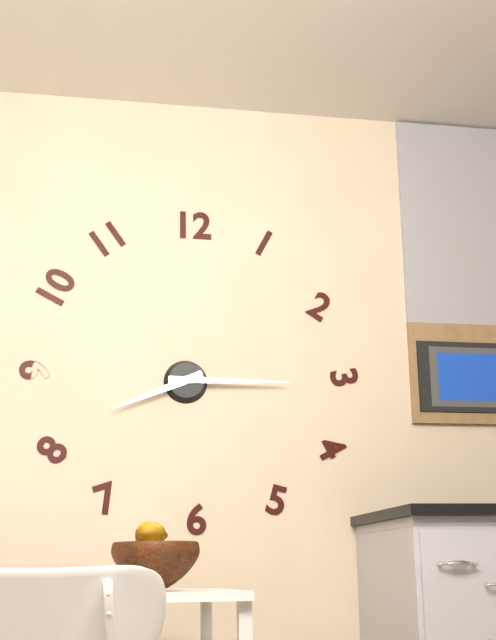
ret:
8,15
